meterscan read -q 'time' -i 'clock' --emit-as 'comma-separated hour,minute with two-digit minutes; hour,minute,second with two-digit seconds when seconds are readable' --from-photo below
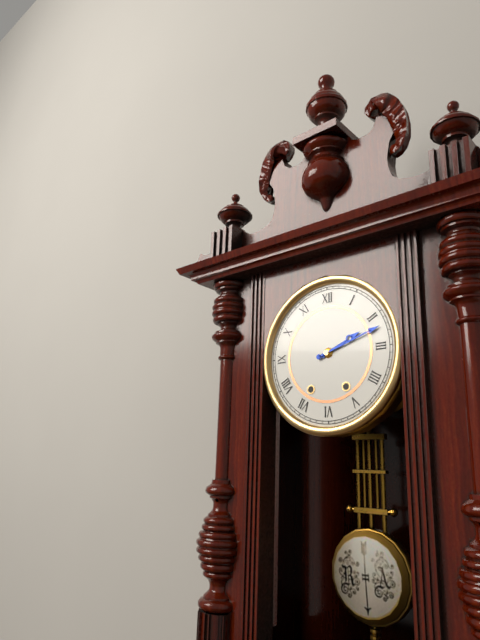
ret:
2,12
